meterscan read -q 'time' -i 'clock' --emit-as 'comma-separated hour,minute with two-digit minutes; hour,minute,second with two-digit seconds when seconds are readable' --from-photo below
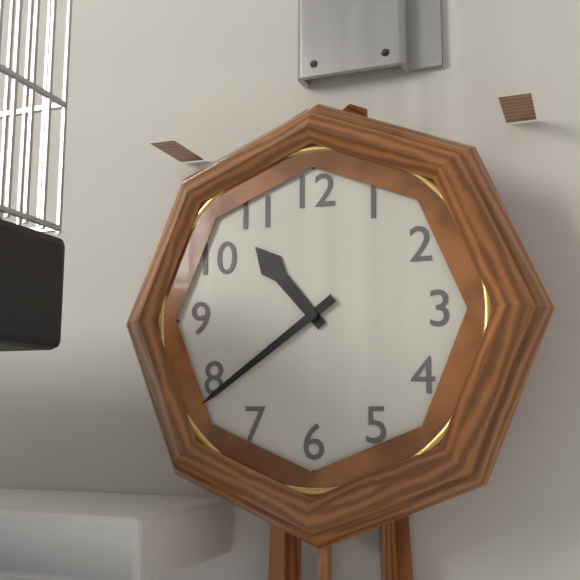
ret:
10,39
